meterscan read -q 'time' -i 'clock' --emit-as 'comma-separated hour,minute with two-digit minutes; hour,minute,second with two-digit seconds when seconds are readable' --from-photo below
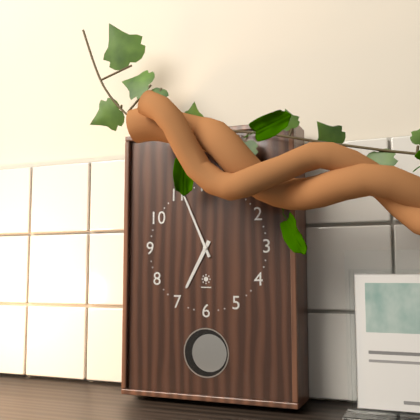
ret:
6,56
